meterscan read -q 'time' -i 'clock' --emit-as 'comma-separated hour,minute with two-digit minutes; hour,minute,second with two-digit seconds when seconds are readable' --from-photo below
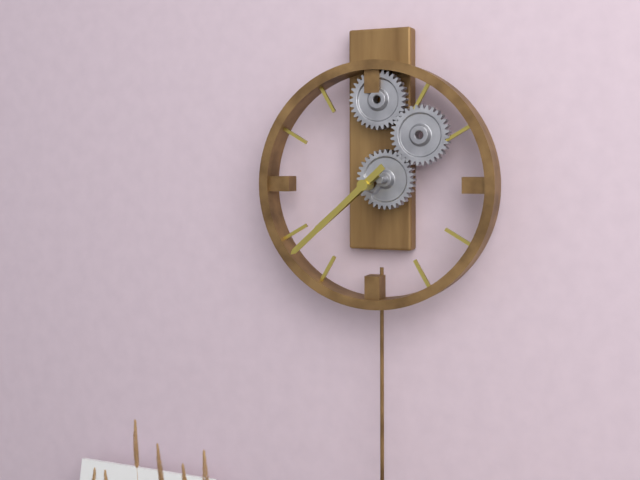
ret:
7,38
